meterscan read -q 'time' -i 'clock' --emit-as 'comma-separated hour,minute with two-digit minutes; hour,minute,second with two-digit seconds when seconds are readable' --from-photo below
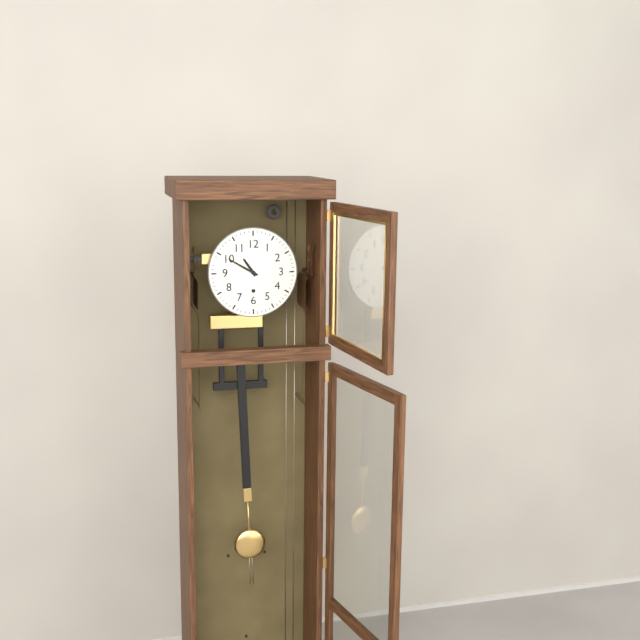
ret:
10,50
